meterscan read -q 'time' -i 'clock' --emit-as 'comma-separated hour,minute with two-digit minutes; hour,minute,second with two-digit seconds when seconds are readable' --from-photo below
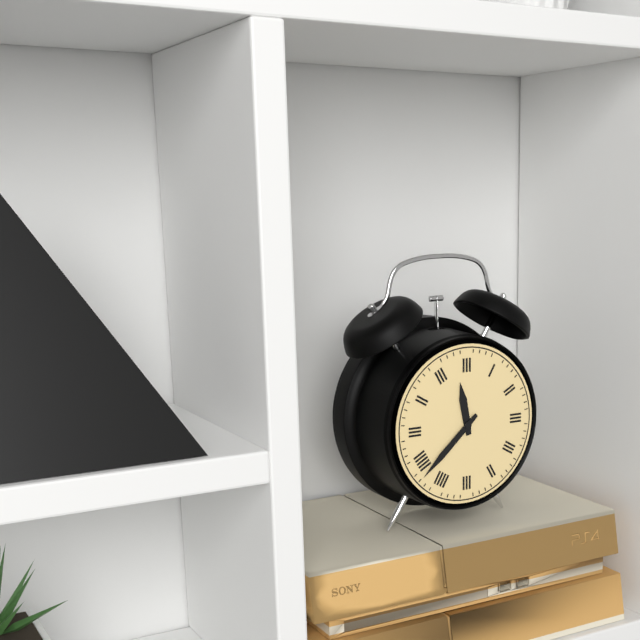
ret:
11,38
